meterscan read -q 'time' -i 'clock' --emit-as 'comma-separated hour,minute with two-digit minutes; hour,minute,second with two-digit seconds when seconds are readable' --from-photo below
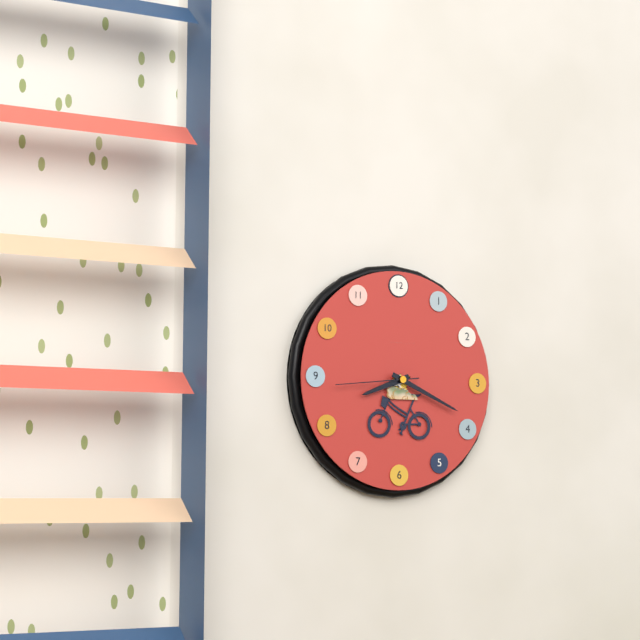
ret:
8,19,44
